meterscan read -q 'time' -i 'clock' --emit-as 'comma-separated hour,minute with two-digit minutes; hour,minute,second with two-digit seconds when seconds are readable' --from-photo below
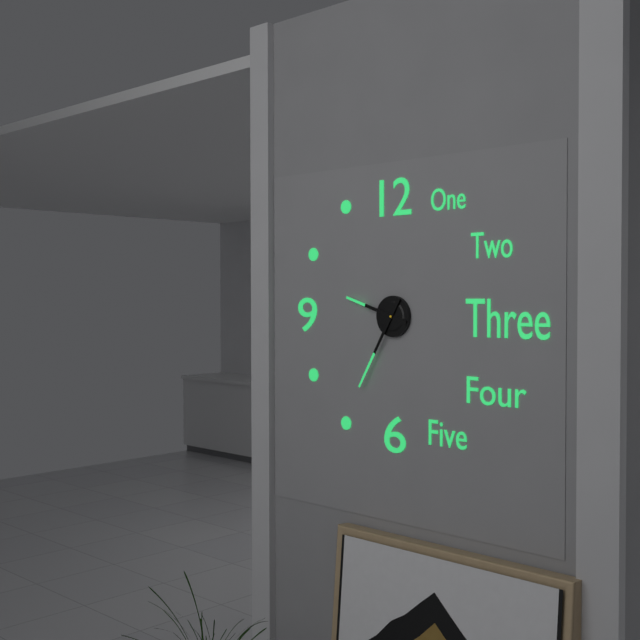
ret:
9,35
